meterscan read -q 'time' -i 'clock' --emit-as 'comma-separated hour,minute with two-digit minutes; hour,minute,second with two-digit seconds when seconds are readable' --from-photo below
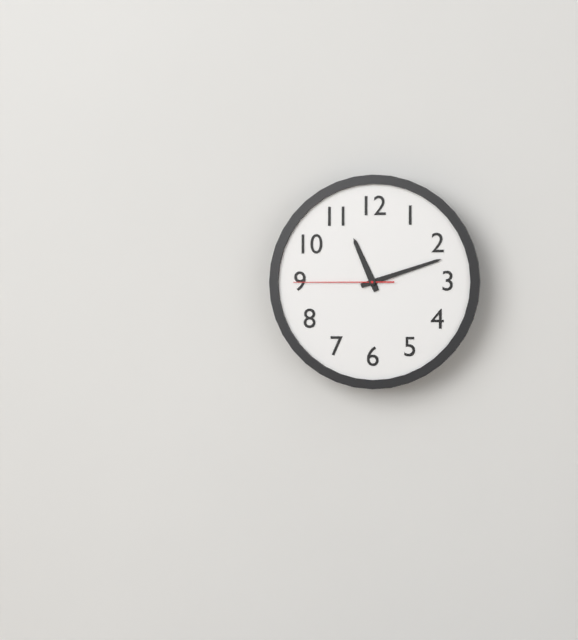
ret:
11,12,45
